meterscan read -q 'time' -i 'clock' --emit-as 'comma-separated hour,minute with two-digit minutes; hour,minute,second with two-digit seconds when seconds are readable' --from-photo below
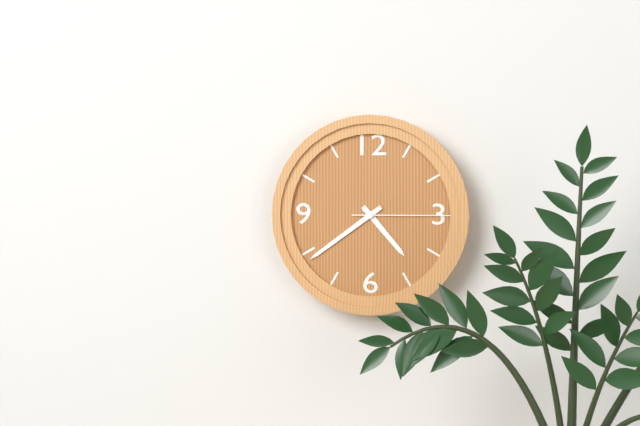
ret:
4,39,15
